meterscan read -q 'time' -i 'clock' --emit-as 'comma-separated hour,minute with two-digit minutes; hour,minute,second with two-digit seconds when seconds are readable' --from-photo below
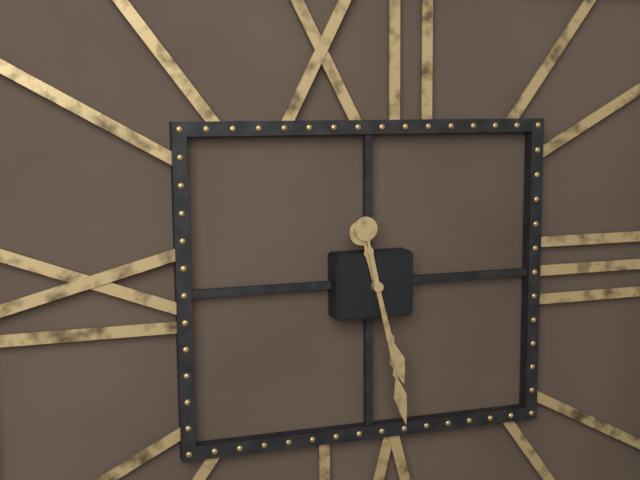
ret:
5,28
